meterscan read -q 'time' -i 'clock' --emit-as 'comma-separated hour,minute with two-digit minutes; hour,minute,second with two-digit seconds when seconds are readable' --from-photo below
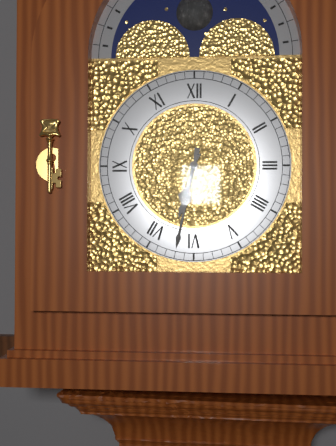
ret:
6,32
